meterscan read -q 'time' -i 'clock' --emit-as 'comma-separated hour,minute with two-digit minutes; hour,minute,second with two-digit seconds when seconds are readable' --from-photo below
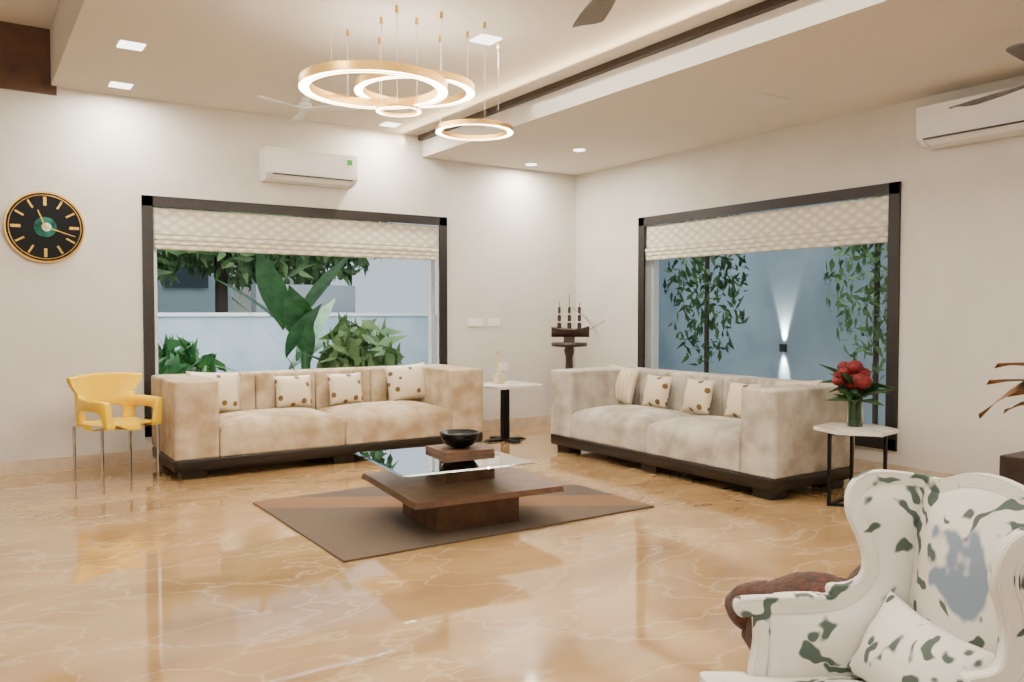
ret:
11,18
